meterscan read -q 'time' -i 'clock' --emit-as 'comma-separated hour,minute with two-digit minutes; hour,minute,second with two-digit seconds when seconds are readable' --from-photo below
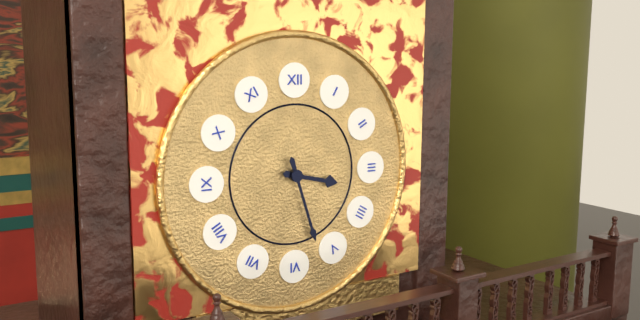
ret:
3,27
